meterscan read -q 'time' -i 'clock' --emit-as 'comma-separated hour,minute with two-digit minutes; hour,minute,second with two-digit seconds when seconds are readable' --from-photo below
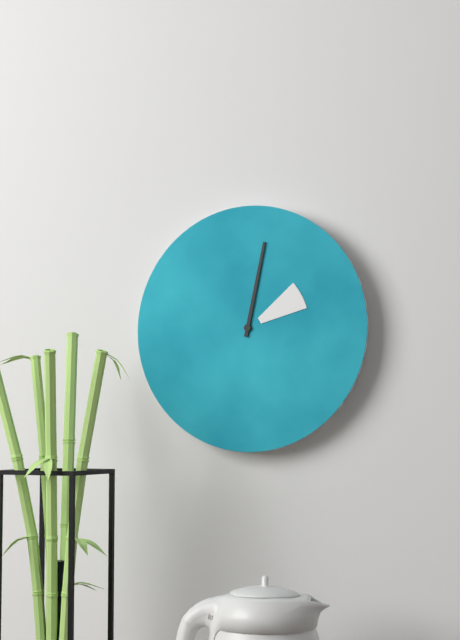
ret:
2,02
